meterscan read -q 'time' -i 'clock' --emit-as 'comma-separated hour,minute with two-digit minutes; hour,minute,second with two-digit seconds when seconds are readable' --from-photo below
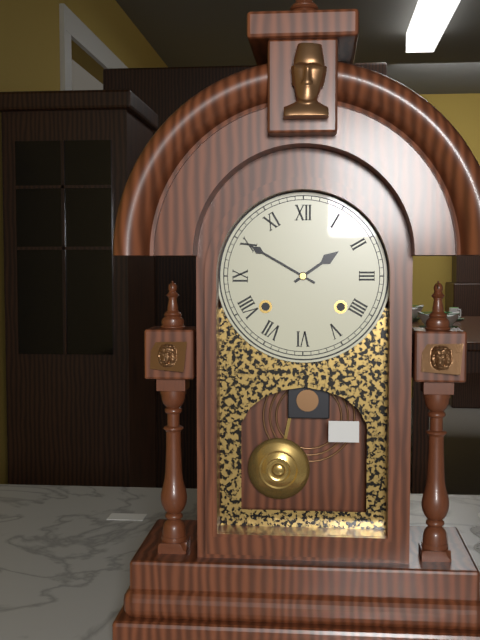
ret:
1,50
